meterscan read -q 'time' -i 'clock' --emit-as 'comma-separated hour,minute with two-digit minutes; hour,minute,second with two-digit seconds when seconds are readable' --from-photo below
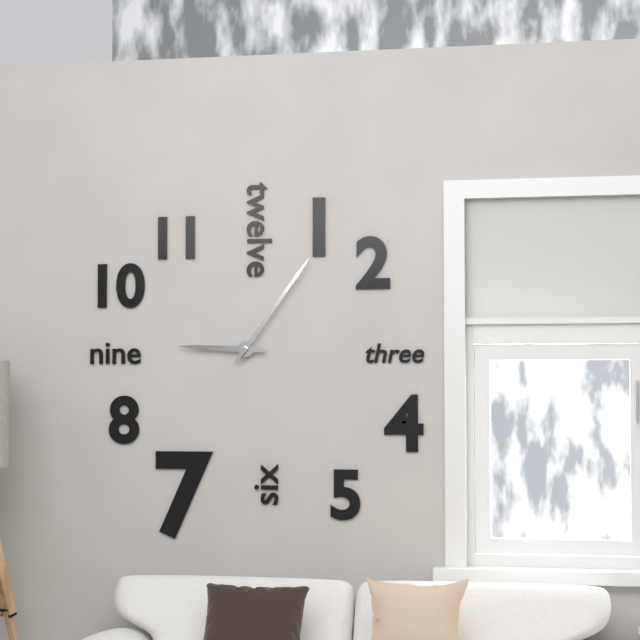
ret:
9,06
